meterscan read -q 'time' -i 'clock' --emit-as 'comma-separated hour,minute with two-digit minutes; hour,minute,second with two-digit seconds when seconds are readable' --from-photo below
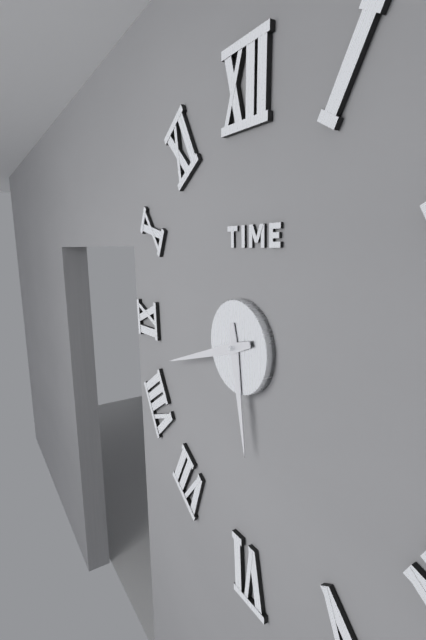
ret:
5,42
